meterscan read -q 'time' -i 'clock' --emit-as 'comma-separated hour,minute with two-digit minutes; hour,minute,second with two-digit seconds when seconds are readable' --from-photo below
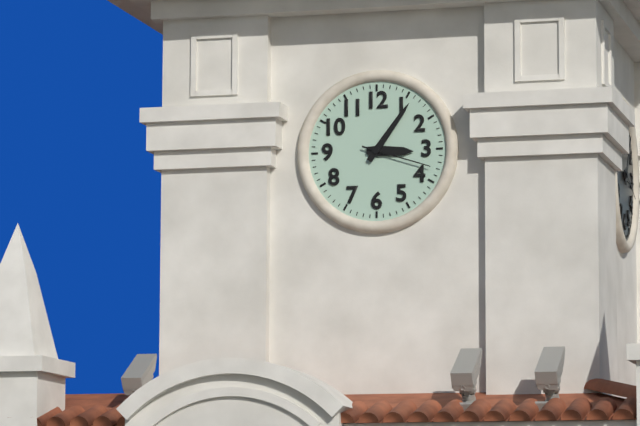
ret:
3,06,18
